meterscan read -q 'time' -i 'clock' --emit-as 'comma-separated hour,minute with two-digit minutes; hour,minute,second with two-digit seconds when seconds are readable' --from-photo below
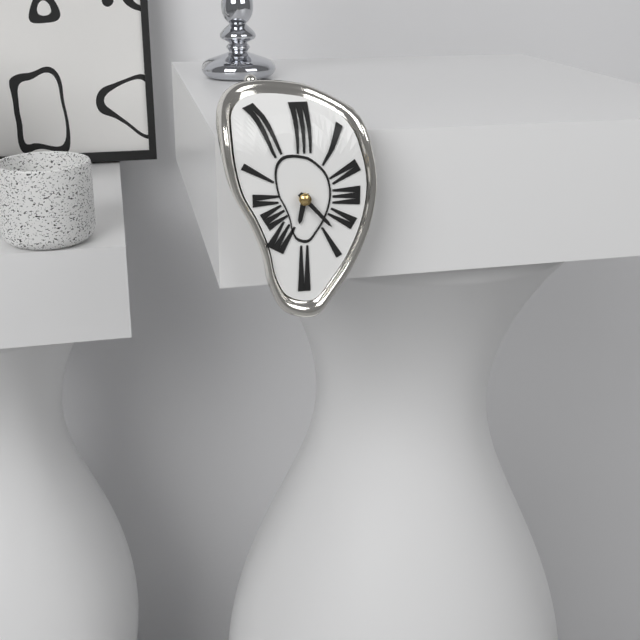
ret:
6,23
